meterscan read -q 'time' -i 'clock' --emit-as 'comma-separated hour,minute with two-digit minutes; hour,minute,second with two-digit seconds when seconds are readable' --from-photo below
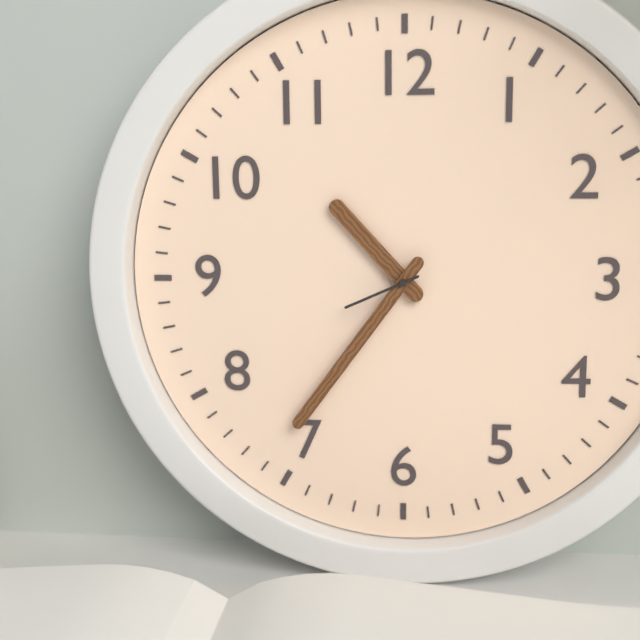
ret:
10,36,41
